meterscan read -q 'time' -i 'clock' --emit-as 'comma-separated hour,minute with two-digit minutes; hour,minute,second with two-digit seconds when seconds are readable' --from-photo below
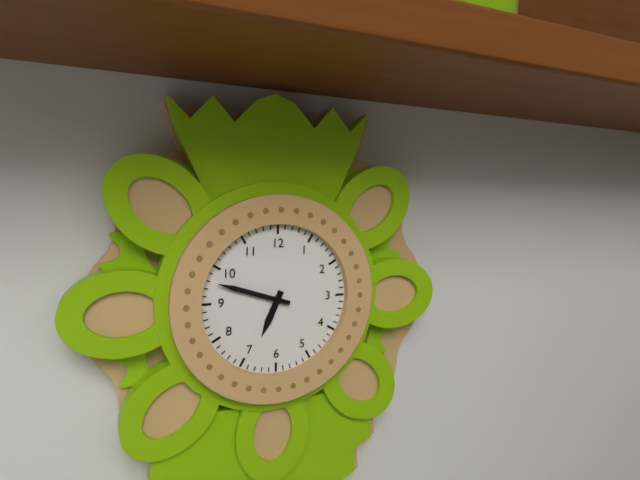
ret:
6,48
